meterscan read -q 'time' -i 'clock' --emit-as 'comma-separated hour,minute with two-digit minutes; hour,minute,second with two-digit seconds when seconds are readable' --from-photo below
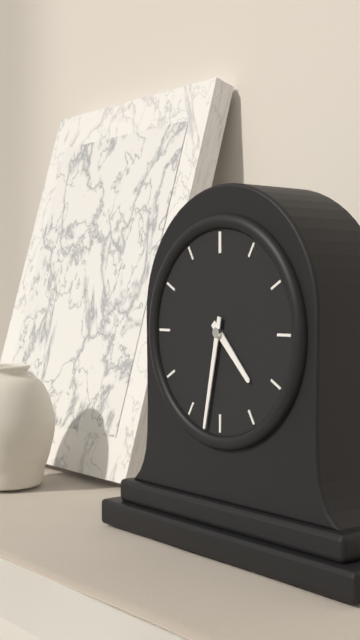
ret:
4,32
